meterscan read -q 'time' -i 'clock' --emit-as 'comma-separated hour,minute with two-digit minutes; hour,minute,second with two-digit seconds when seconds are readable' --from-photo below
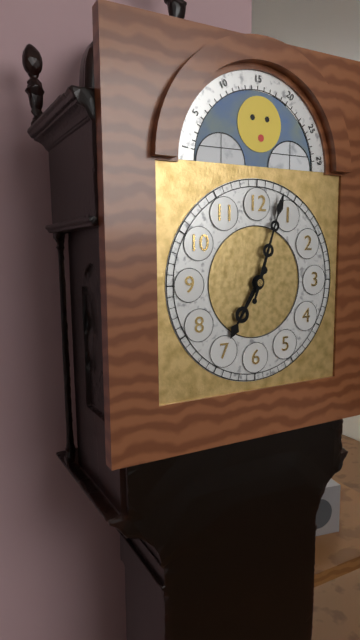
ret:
7,03
